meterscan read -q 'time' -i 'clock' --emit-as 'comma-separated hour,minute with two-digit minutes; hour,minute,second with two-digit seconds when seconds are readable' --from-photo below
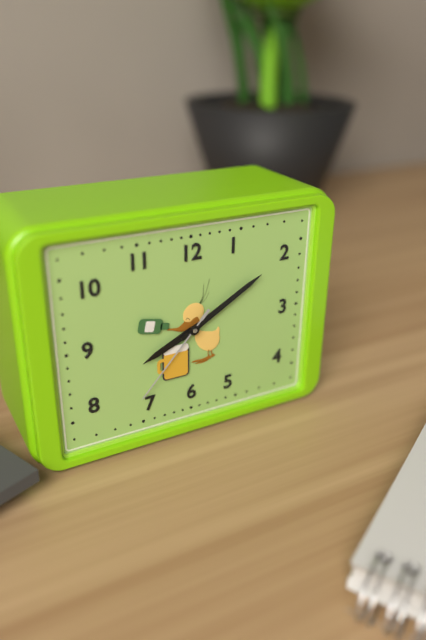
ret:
8,10,37
